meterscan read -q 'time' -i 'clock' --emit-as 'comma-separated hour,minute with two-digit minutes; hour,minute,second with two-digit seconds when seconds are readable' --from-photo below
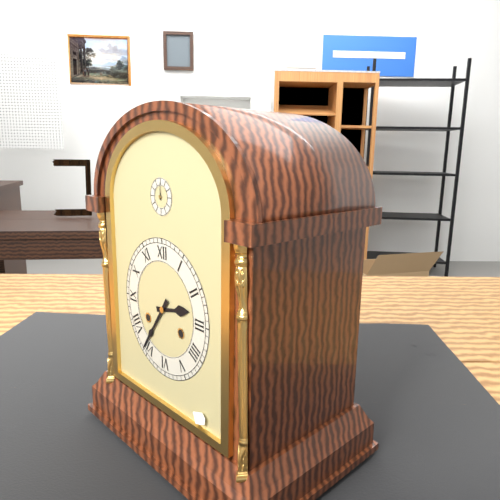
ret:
2,36
